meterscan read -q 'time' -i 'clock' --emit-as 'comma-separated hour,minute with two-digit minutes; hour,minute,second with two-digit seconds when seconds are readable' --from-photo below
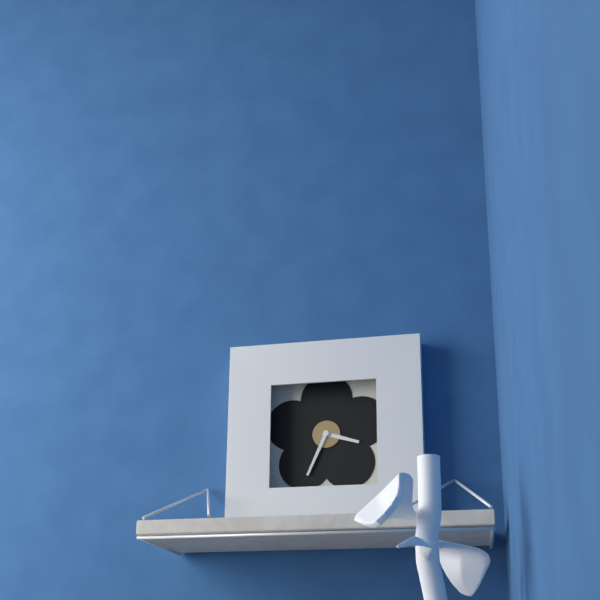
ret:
3,34
